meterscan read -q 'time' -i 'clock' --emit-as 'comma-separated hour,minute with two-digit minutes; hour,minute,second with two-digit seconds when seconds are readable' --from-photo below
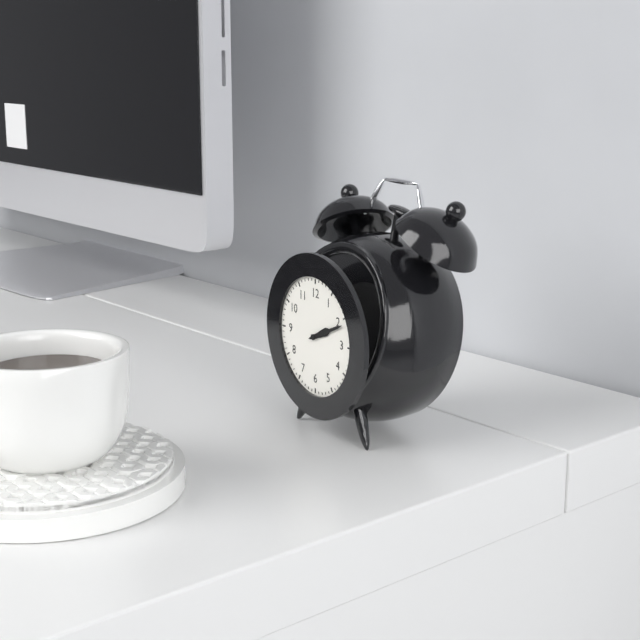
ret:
2,11
